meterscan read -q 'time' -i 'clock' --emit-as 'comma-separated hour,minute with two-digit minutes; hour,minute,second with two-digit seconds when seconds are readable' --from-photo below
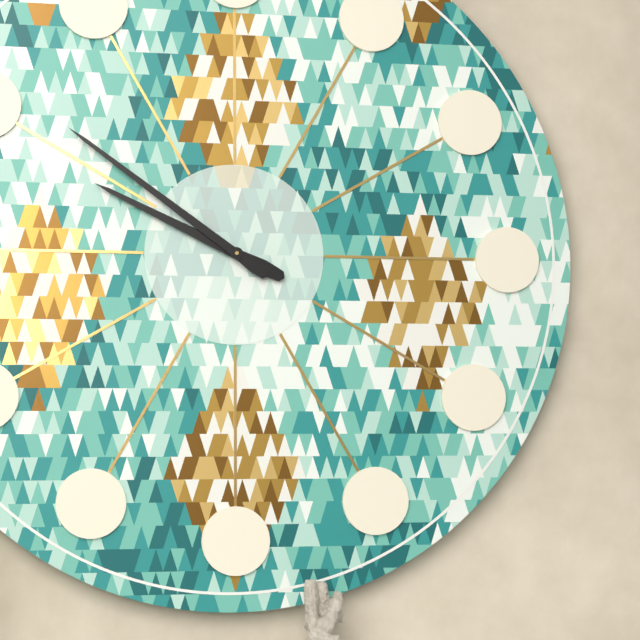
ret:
9,51
